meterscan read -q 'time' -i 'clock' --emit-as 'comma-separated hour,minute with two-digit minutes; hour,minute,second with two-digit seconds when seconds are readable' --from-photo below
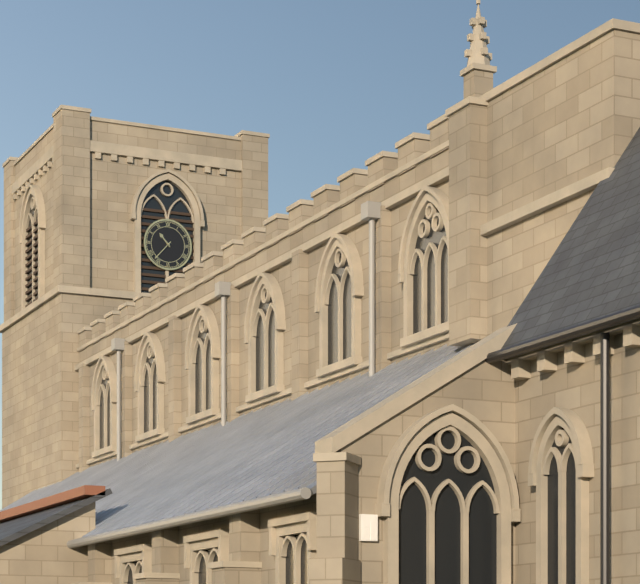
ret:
10,37
